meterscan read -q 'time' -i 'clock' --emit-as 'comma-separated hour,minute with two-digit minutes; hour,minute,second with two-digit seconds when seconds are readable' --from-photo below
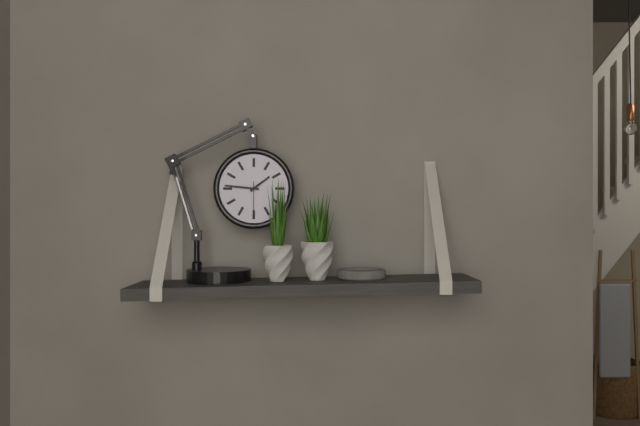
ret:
1,46
